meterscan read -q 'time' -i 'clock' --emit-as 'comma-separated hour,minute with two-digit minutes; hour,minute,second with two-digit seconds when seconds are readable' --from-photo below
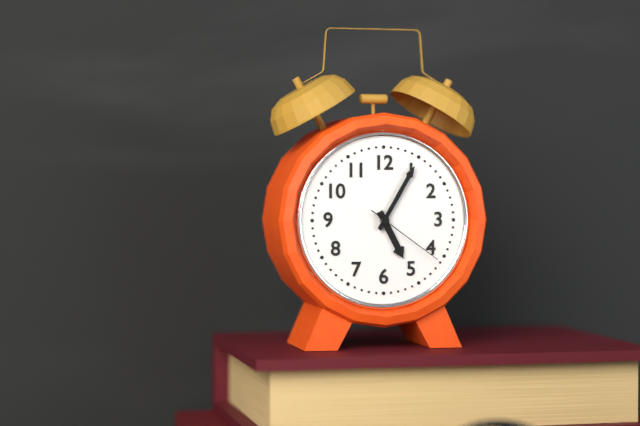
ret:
5,05,21
